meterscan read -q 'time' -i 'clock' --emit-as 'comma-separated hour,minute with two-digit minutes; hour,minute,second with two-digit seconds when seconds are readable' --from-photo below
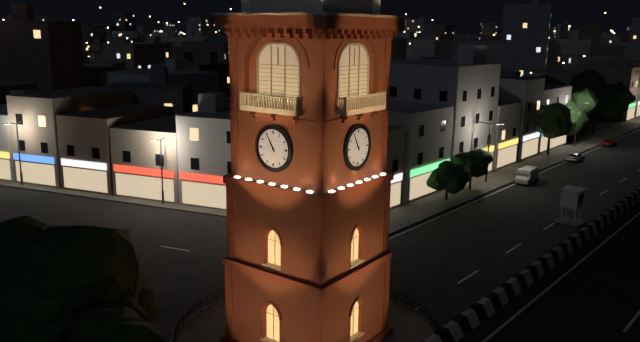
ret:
10,55
